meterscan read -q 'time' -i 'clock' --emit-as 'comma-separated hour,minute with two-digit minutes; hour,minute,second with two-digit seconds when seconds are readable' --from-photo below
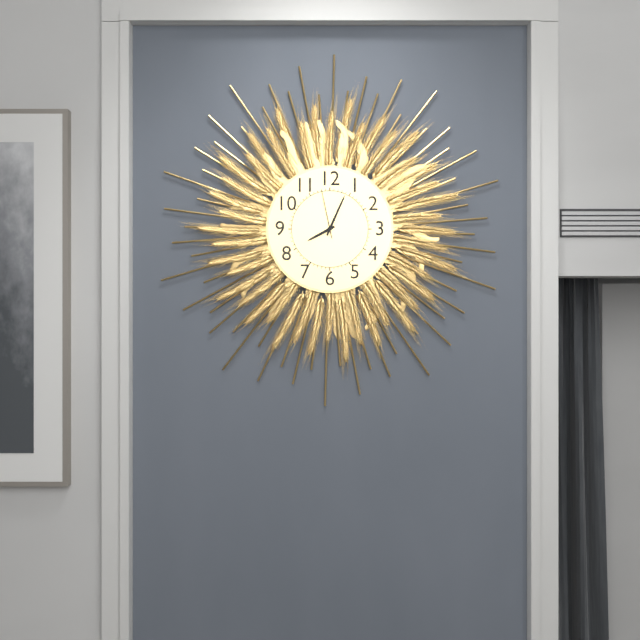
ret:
8,04,58
